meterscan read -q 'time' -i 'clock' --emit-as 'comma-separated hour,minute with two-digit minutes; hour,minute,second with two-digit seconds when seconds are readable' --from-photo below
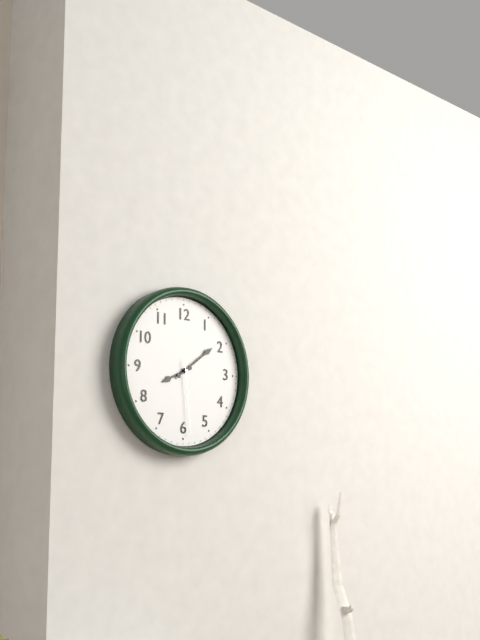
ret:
8,09,29
